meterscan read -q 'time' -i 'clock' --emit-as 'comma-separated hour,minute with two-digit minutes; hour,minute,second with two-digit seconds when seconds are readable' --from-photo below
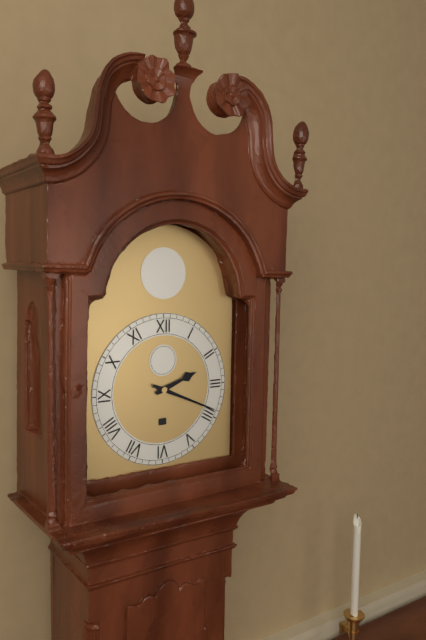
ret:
2,19
